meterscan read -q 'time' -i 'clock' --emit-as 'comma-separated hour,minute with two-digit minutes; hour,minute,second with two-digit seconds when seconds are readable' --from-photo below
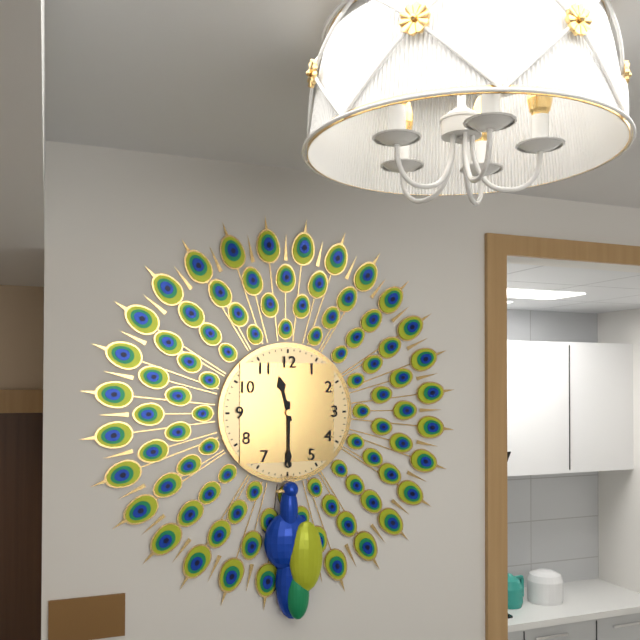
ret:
11,30
